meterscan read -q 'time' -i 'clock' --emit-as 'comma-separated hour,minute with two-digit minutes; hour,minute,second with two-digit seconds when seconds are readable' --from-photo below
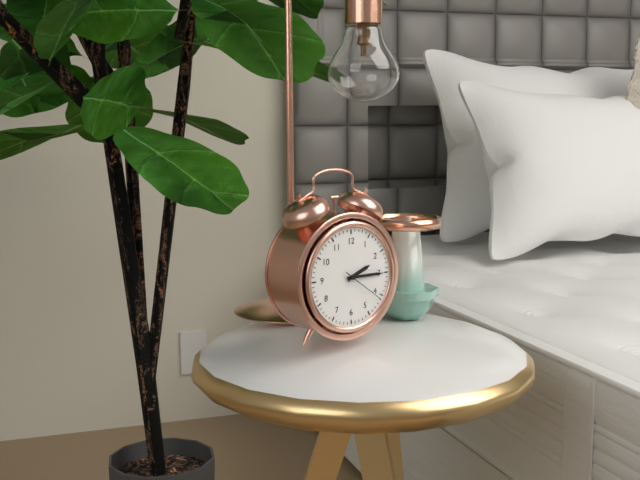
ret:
2,15
